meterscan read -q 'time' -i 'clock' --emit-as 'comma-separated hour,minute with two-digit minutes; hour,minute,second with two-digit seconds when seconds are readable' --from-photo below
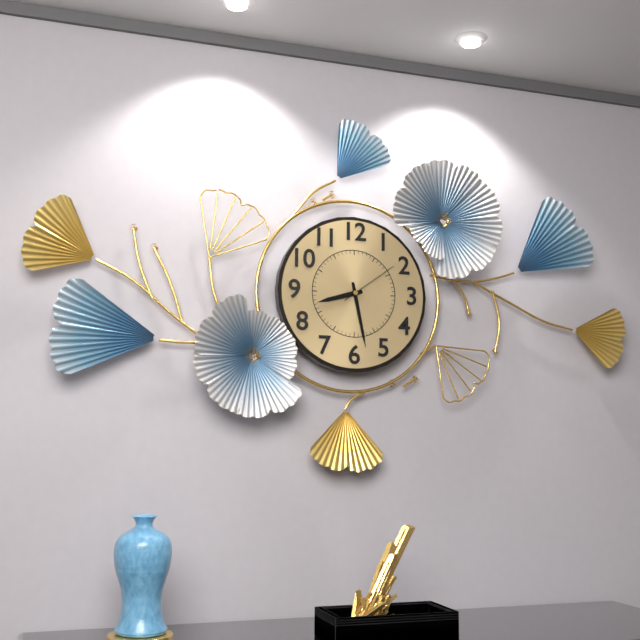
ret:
8,28,09
